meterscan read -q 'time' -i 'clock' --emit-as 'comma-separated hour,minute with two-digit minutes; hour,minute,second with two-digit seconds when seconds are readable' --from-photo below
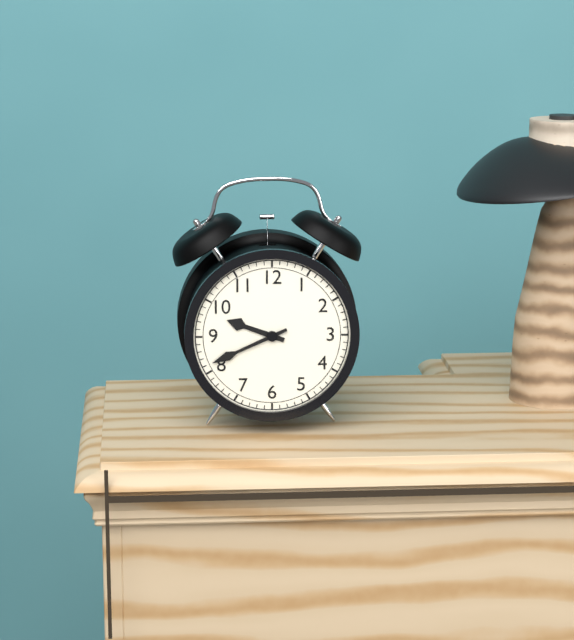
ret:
9,41
